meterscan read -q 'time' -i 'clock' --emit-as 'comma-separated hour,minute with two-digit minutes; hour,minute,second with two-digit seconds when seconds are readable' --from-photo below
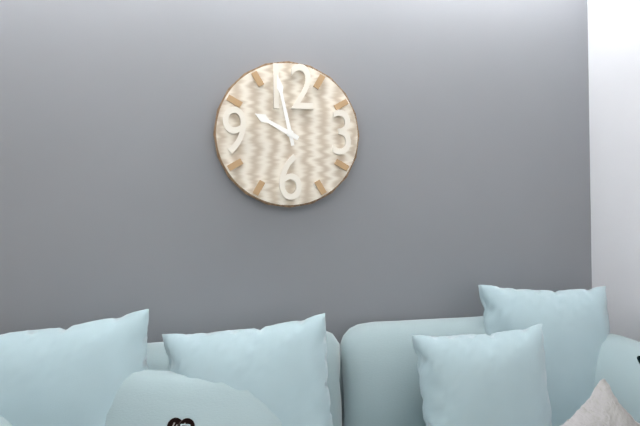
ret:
9,58
